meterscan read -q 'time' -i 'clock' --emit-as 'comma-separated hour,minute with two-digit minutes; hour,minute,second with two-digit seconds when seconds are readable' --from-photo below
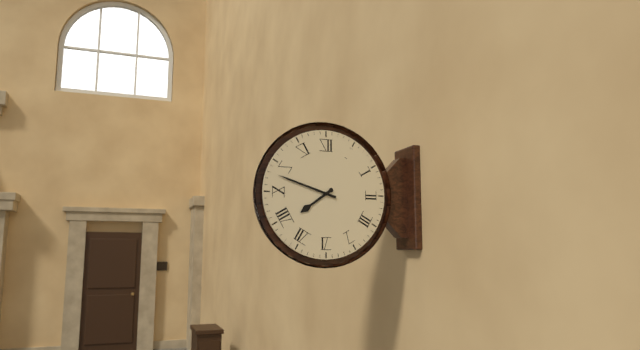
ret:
7,48
